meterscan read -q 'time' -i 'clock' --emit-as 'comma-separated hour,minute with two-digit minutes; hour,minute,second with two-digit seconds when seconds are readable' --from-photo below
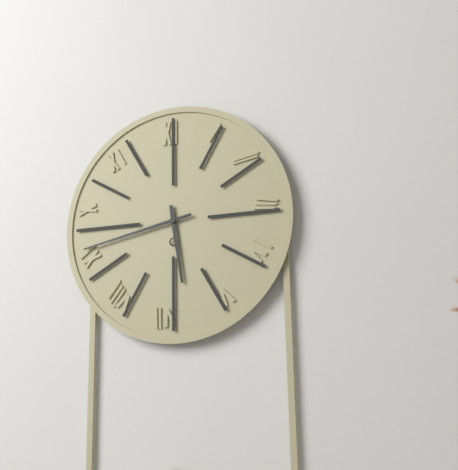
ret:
5,43
